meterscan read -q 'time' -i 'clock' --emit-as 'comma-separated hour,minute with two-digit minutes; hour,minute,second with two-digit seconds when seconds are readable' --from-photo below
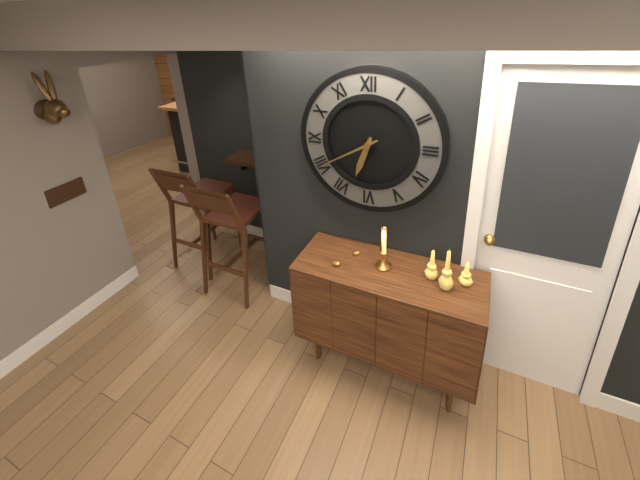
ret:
6,40
